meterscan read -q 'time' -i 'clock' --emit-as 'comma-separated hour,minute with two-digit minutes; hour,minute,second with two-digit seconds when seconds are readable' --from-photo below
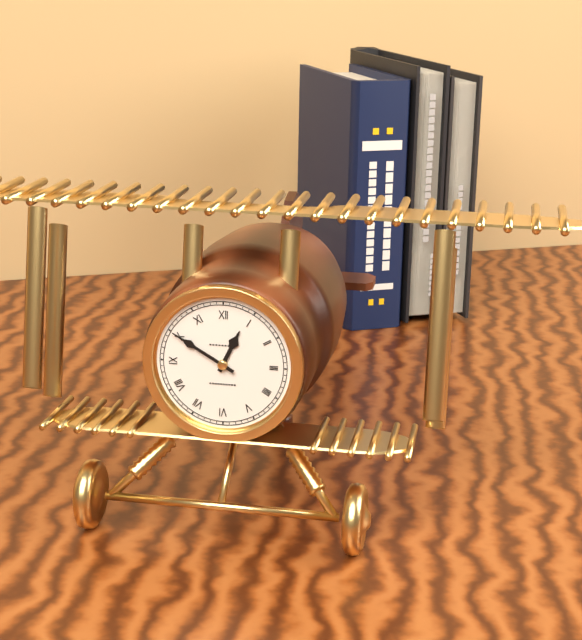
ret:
12,50
